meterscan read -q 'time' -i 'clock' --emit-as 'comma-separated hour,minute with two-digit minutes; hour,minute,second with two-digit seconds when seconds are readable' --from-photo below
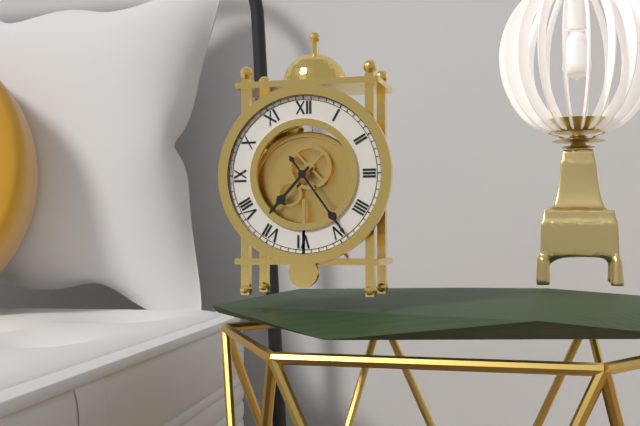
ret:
7,24
